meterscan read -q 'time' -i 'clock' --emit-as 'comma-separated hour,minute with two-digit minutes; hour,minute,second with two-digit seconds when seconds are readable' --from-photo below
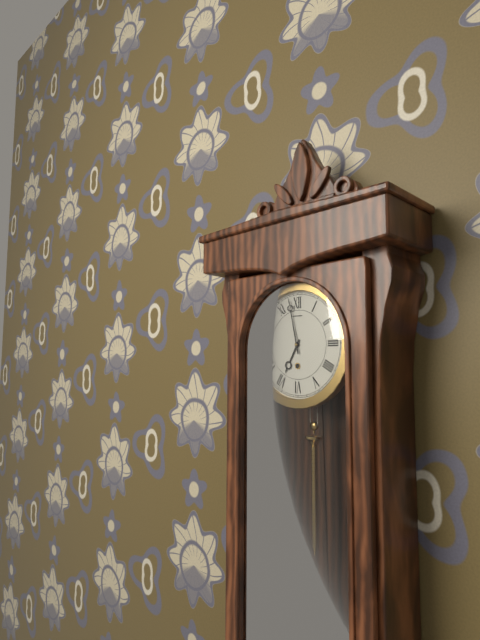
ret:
6,58
